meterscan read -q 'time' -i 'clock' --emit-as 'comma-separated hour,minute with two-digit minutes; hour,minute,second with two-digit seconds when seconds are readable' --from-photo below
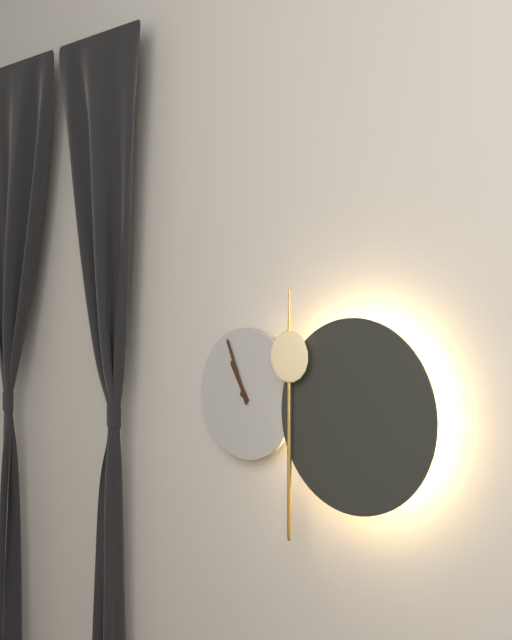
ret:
10,56
